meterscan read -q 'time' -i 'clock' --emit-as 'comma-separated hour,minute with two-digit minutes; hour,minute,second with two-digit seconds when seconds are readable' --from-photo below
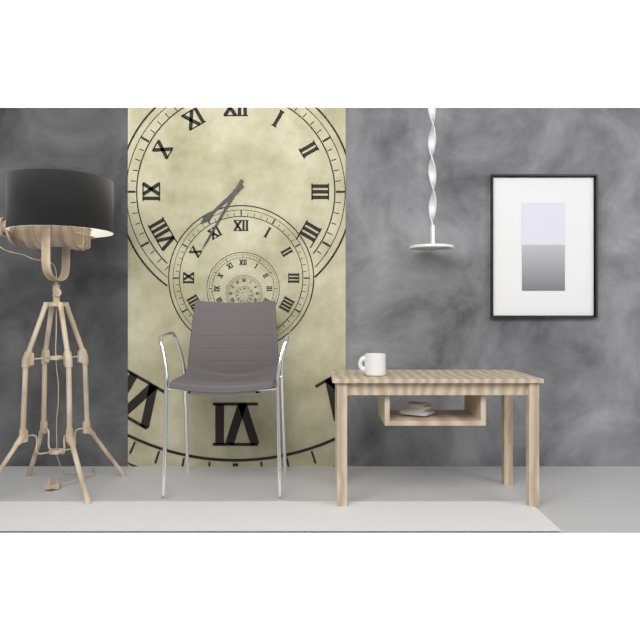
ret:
7,35
